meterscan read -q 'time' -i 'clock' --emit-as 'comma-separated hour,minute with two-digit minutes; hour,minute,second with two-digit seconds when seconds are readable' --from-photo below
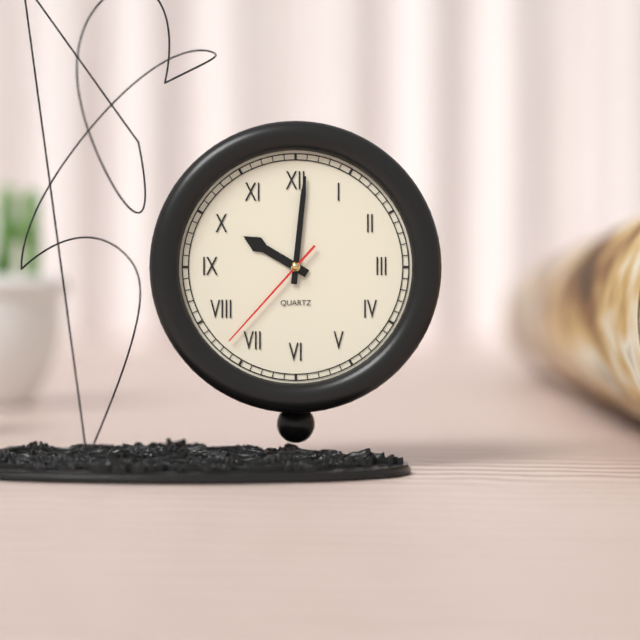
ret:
10,01,37
